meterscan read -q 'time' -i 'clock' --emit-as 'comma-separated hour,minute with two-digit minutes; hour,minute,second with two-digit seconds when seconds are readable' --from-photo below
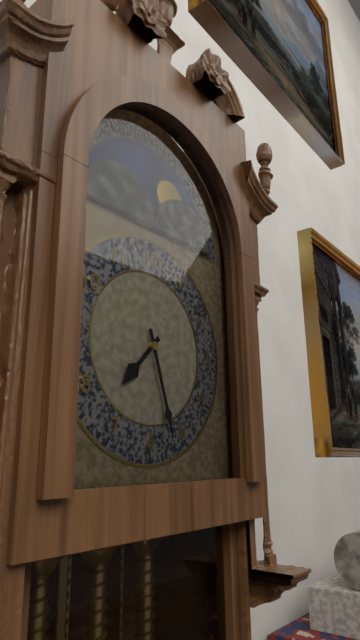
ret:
7,27
